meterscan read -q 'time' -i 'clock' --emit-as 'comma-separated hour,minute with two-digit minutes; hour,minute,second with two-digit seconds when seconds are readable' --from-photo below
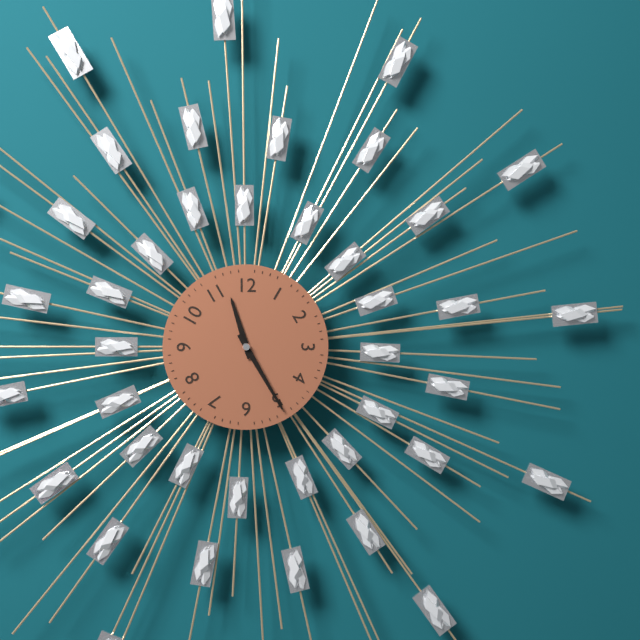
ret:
11,25
